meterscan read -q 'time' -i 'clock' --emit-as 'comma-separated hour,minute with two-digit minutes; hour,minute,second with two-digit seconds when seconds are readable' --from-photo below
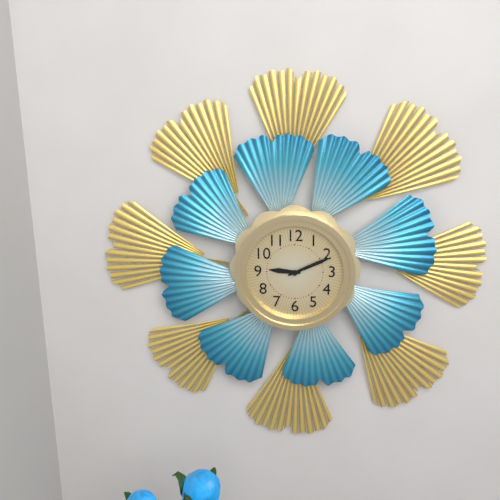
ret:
9,11
